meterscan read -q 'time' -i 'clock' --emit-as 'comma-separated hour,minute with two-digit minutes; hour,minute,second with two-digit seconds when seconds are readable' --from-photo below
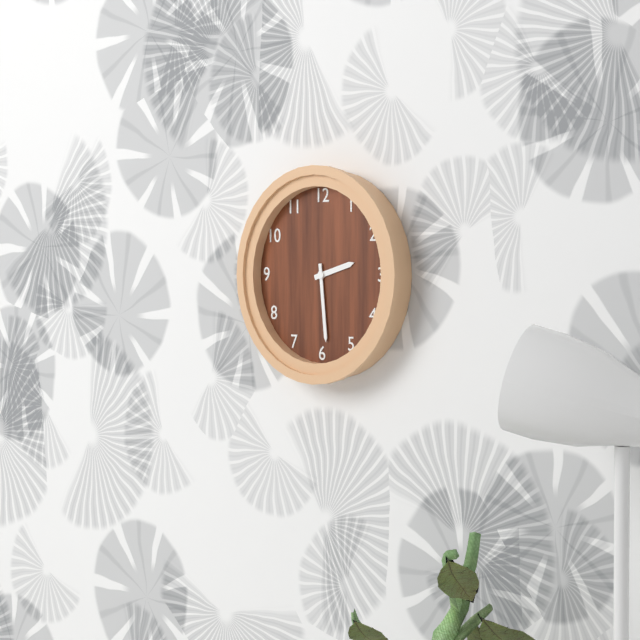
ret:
2,29
